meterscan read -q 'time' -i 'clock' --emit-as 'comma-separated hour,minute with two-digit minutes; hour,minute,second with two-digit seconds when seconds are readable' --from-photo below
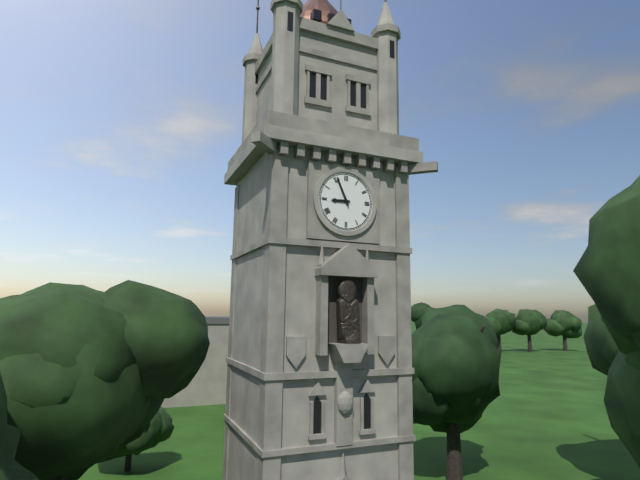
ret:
8,56
